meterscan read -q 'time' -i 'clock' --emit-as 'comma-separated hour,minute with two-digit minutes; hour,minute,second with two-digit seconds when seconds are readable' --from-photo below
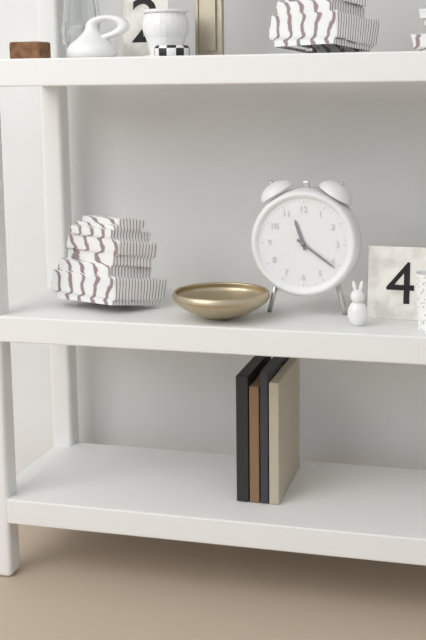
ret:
11,21
